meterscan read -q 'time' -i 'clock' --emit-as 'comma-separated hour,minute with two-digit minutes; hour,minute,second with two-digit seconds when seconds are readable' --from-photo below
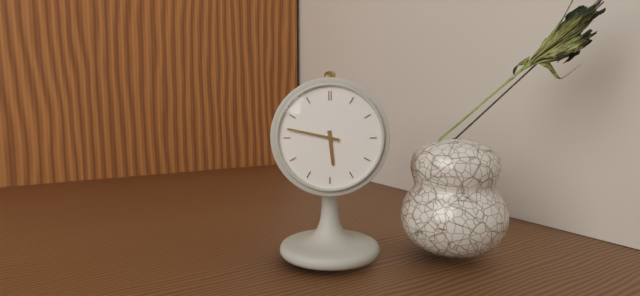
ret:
5,47
